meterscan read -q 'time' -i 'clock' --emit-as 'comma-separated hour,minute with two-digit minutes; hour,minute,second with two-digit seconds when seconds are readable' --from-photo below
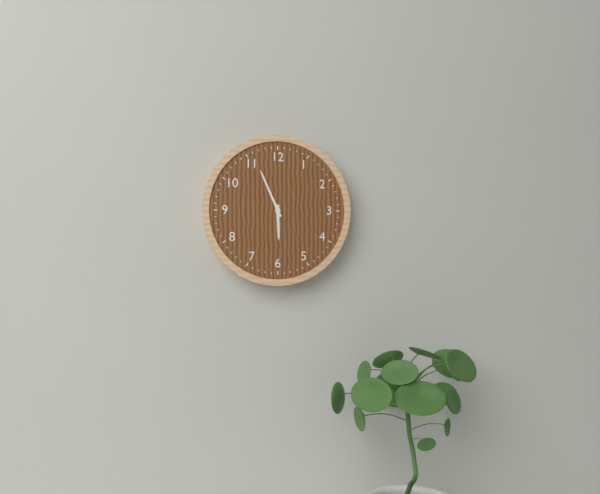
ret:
5,56
